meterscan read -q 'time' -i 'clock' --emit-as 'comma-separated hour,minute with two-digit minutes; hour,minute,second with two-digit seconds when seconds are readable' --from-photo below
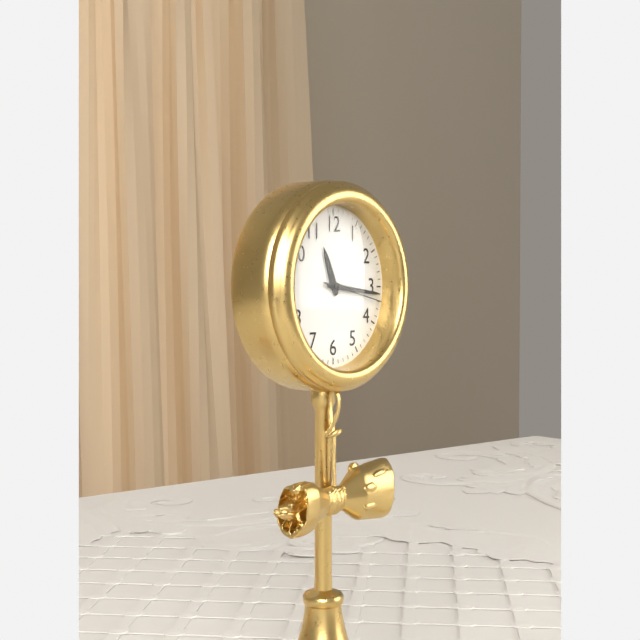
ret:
11,16,17
